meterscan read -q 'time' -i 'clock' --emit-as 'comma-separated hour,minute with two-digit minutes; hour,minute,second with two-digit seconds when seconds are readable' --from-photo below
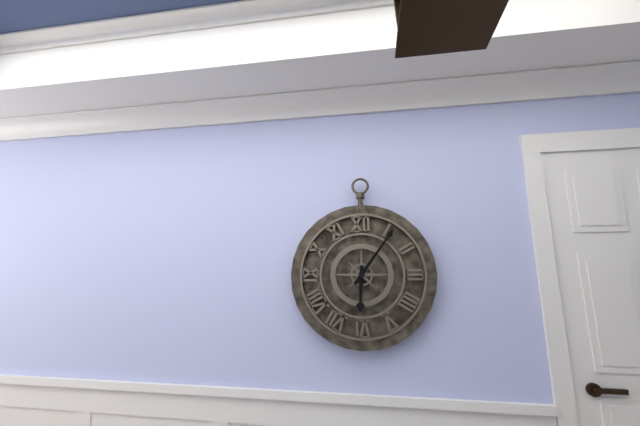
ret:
6,06
